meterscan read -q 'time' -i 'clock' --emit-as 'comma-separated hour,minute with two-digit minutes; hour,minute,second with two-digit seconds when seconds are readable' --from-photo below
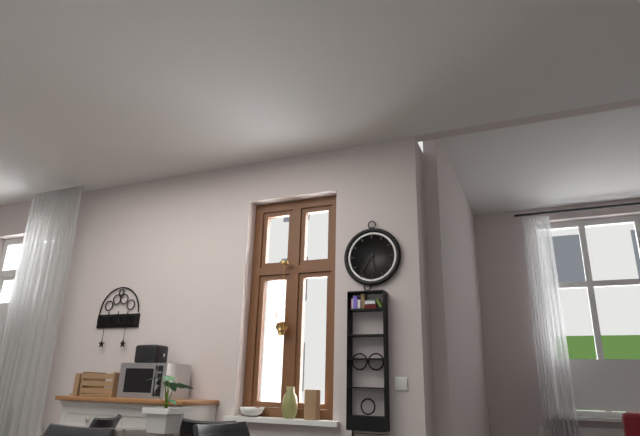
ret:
5,36
